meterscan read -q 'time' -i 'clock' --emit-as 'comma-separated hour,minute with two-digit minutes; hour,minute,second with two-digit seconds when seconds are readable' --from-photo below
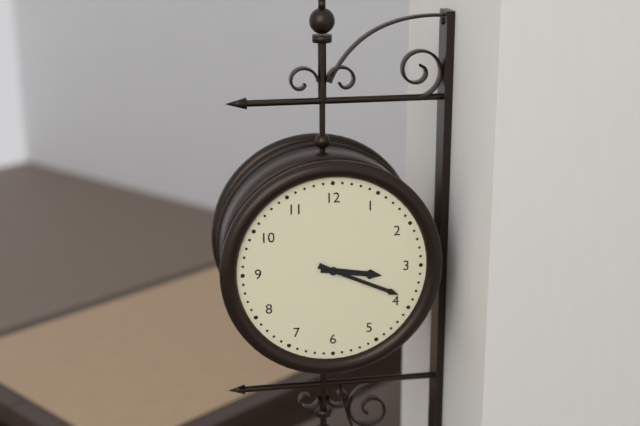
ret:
3,19
